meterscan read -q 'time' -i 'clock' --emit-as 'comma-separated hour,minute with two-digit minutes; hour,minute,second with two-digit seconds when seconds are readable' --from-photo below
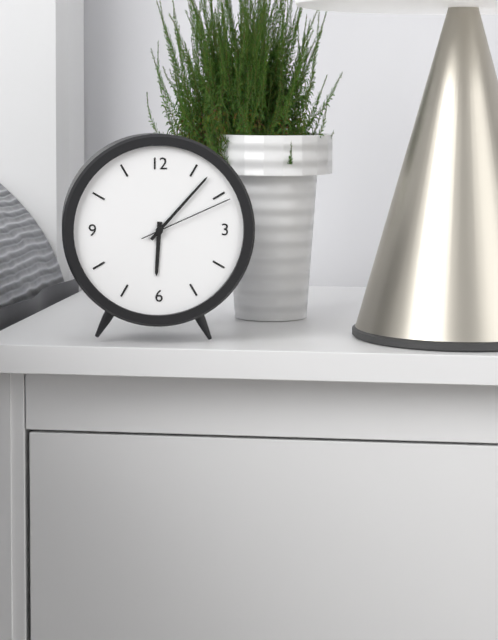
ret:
6,07,11
